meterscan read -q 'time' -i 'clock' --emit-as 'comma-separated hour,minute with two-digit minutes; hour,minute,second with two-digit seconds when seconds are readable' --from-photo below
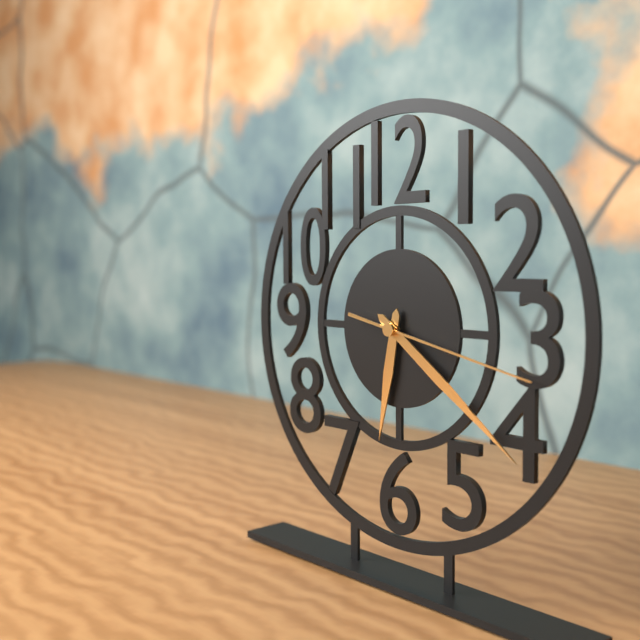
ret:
6,21,17
